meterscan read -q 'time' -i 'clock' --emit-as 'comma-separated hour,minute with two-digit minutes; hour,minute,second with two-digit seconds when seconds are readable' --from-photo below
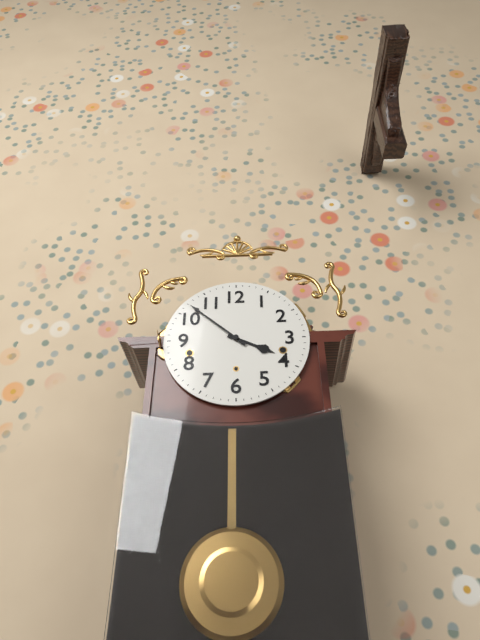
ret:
3,52
